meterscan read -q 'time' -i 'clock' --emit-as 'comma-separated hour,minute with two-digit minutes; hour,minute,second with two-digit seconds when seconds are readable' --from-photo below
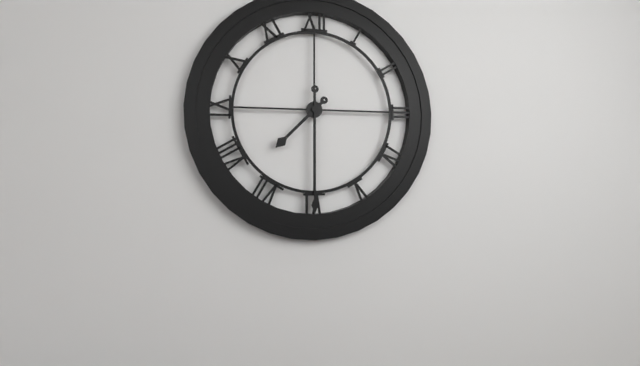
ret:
7,30
